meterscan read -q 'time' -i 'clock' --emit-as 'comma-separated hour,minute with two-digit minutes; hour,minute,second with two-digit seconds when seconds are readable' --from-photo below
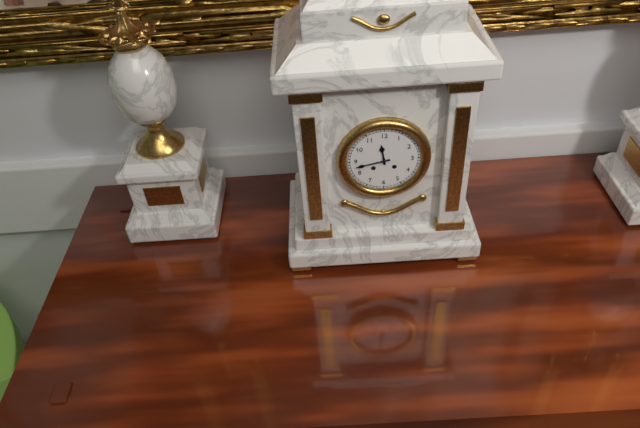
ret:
11,43
